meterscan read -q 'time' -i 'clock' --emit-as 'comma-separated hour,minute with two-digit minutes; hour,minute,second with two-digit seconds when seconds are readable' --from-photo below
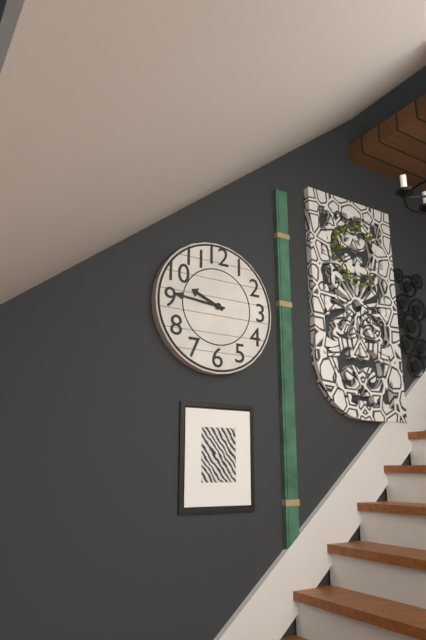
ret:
9,46
